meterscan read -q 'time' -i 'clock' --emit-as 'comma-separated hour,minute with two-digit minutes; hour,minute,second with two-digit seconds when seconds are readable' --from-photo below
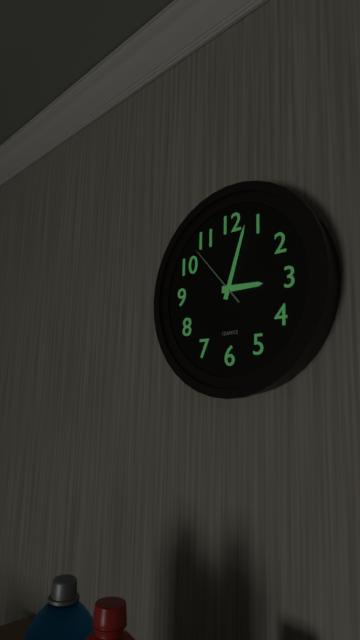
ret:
3,03,53
